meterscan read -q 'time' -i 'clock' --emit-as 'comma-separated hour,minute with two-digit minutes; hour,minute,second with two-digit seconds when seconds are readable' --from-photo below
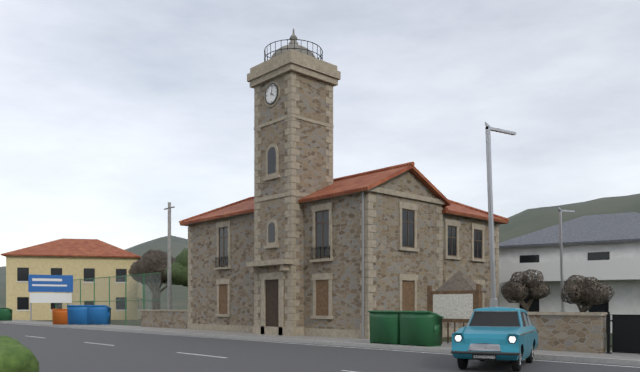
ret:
4,03
